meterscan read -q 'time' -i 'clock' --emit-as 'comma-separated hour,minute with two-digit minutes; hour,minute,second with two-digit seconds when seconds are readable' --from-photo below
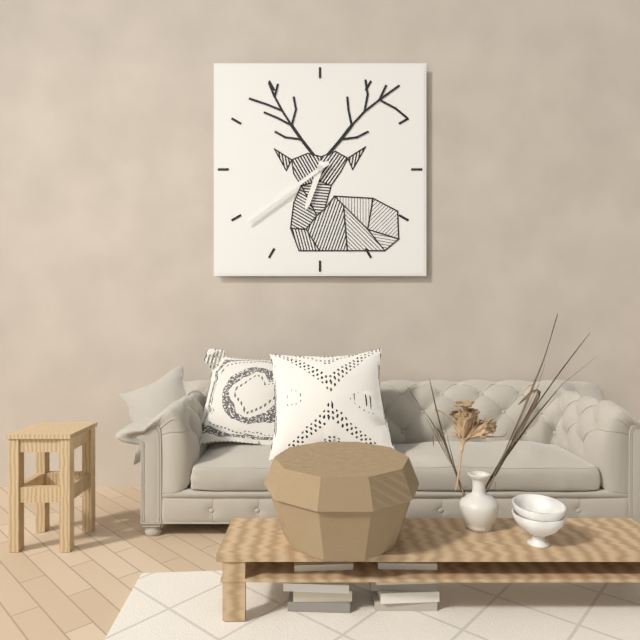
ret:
6,39
